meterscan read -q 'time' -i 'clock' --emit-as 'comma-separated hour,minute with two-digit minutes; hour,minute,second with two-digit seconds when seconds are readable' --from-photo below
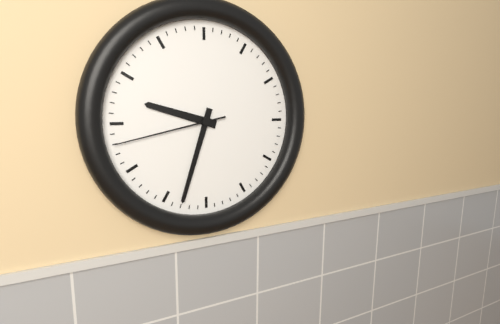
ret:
9,33,43
